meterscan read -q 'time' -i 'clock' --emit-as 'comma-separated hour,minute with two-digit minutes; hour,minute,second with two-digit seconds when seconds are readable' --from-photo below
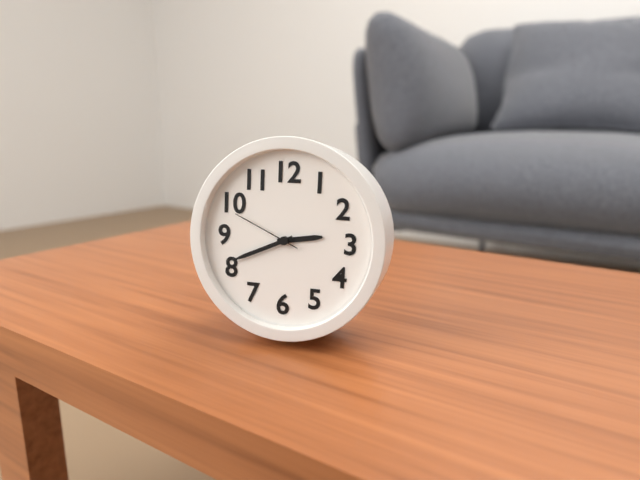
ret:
2,41,49
